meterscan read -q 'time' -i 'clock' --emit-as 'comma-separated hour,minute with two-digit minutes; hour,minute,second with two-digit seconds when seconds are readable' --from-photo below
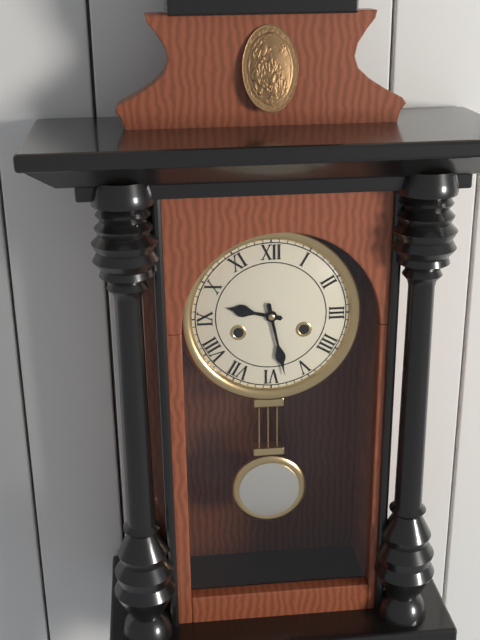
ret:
9,28
